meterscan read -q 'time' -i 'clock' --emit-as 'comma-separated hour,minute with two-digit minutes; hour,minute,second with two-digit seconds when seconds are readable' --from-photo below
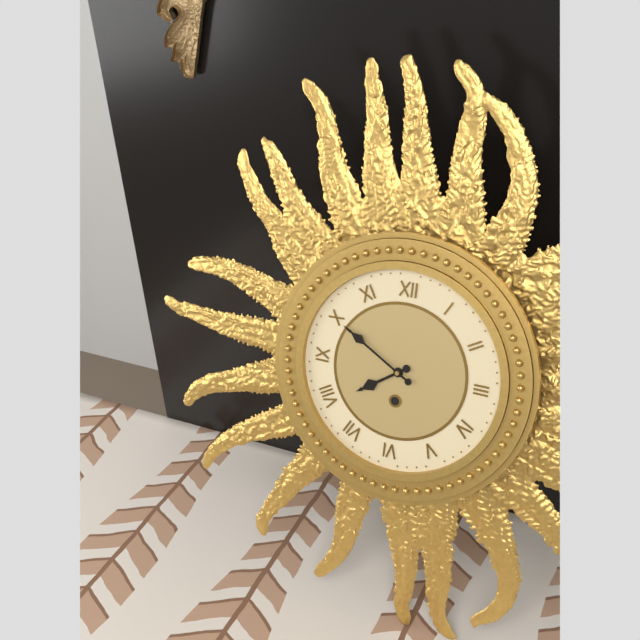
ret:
7,50
